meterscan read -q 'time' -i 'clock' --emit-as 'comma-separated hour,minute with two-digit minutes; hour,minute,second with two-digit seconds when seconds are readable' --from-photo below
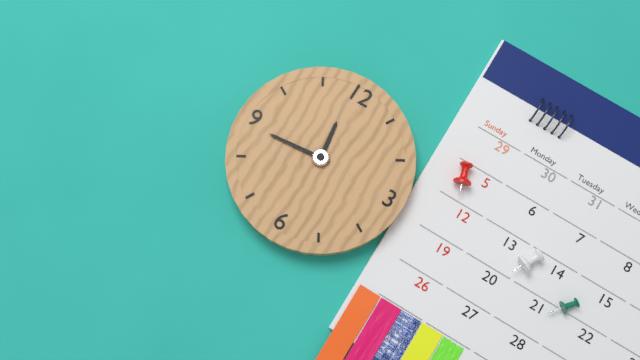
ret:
11,44
